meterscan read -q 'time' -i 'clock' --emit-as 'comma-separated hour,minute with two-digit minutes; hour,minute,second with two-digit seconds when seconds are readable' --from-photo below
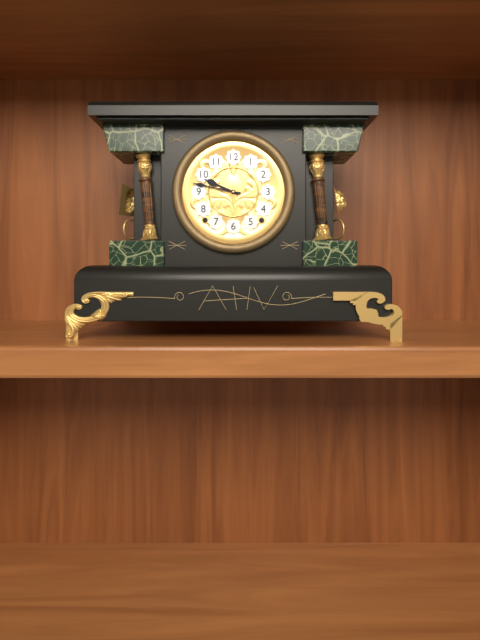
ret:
9,47
